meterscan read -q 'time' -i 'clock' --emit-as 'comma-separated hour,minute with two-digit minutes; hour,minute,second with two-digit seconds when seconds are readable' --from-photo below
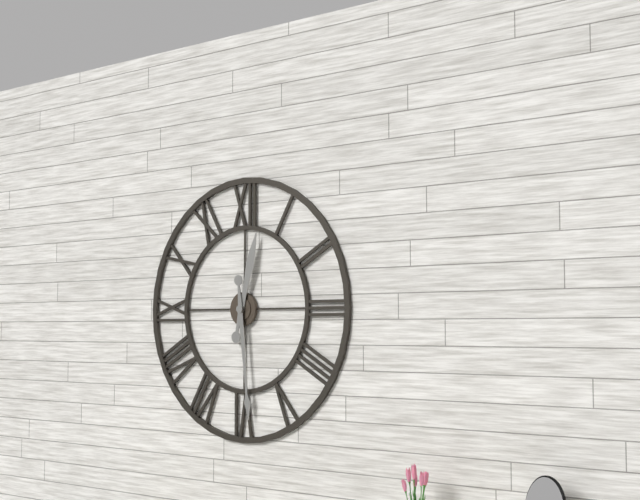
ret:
12,29
